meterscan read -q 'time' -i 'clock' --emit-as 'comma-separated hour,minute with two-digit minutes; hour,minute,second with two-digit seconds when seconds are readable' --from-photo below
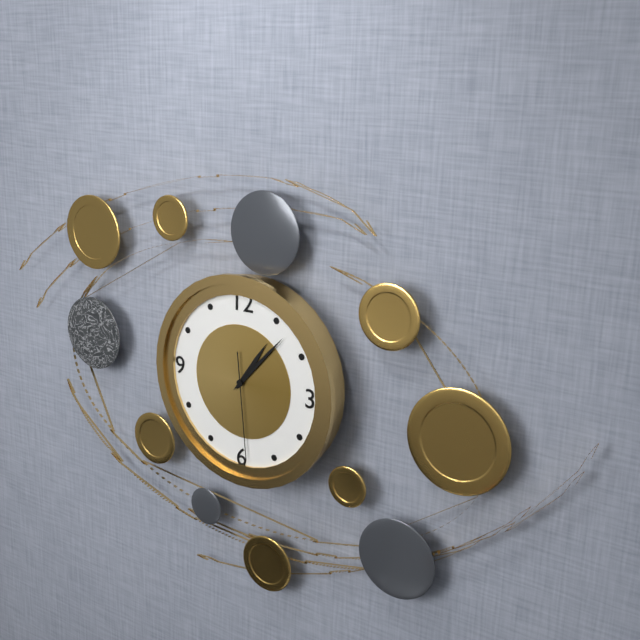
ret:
1,07,29
